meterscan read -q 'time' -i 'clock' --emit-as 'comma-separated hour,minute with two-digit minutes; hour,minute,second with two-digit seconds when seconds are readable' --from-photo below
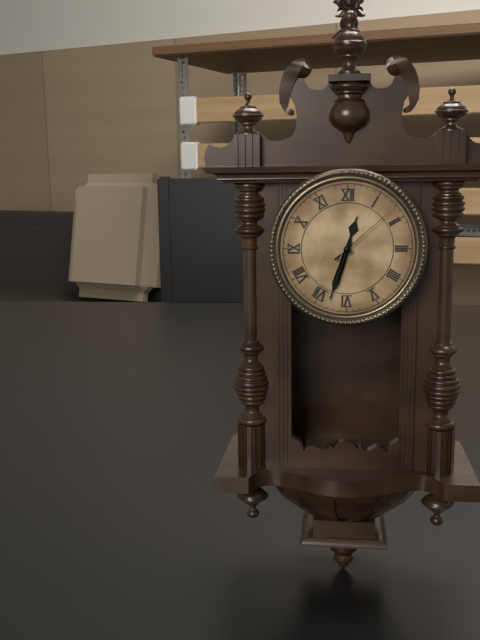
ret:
12,33,08
